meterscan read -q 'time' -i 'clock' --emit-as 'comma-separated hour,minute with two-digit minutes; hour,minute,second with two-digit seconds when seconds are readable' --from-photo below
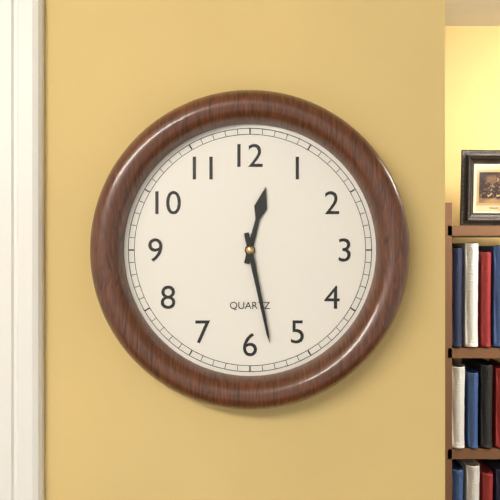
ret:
12,28
